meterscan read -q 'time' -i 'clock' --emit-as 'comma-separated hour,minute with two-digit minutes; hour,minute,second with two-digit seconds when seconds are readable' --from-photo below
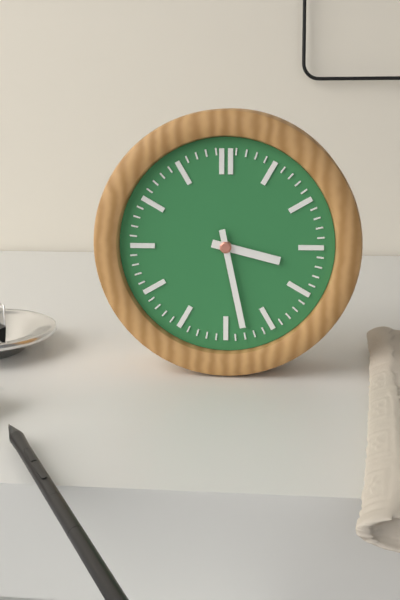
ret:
3,28
